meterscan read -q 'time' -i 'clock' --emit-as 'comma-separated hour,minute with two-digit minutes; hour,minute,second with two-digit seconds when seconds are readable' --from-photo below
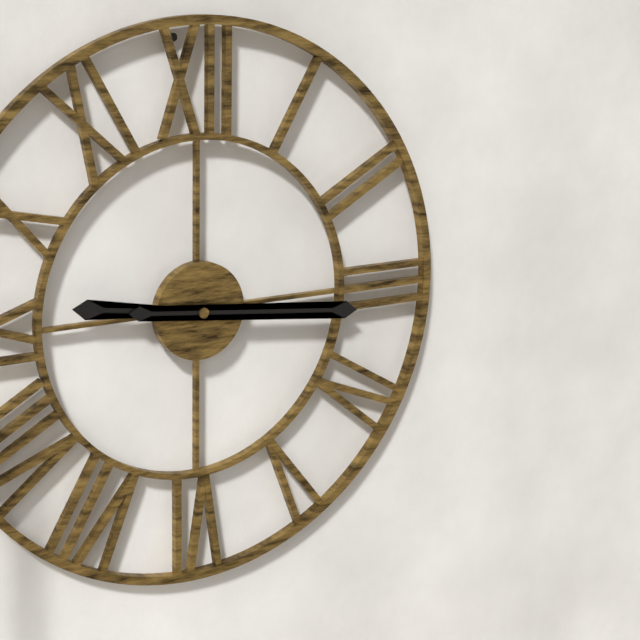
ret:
9,16
